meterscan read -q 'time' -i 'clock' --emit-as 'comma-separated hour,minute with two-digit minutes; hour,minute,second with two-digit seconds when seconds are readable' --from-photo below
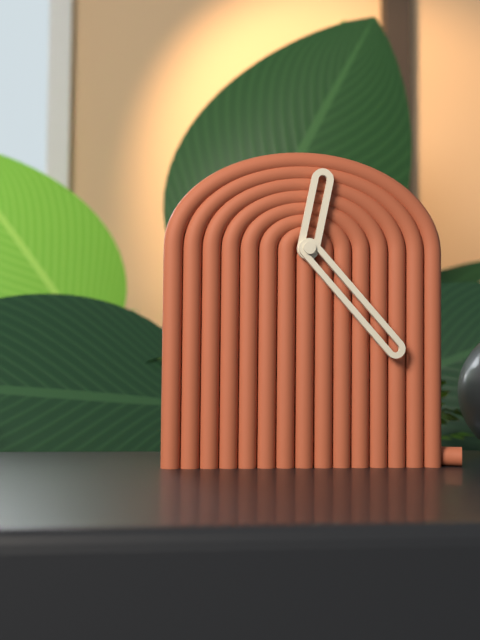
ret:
12,23
